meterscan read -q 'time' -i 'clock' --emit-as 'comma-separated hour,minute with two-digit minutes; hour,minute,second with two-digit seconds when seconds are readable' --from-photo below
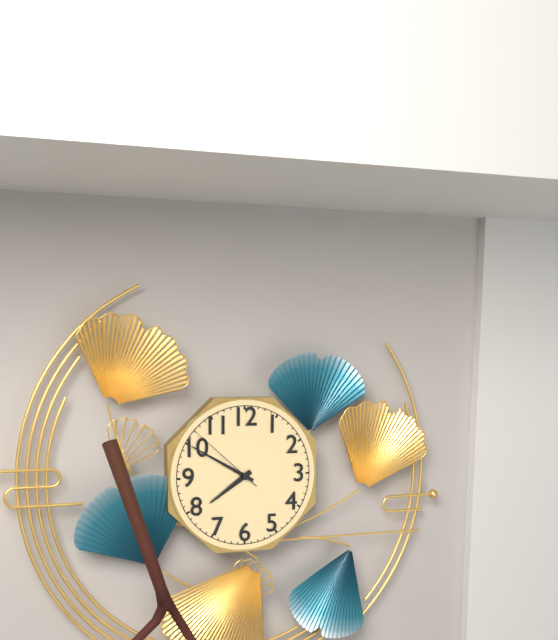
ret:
7,50,52
